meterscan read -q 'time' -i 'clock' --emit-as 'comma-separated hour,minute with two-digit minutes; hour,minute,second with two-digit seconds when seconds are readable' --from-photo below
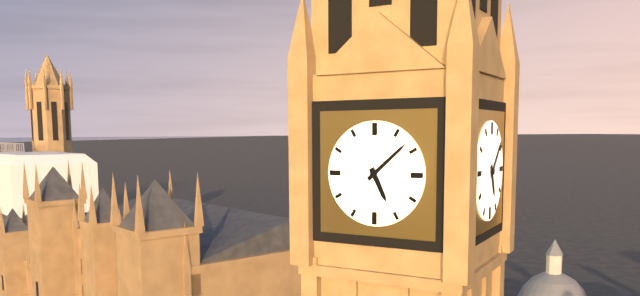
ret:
5,08
